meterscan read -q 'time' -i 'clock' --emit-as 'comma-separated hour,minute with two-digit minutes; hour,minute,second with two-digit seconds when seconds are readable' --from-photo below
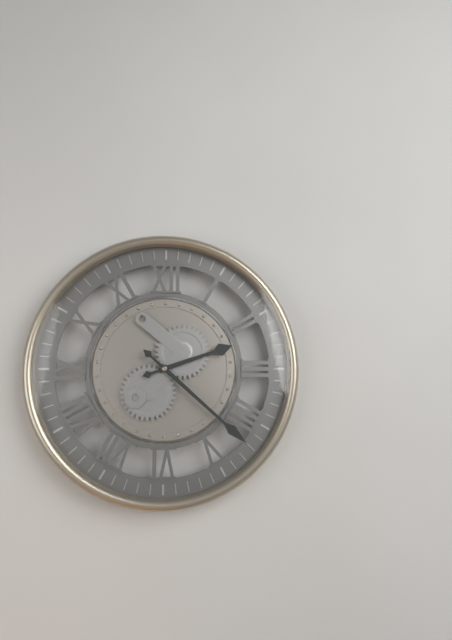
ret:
2,22
